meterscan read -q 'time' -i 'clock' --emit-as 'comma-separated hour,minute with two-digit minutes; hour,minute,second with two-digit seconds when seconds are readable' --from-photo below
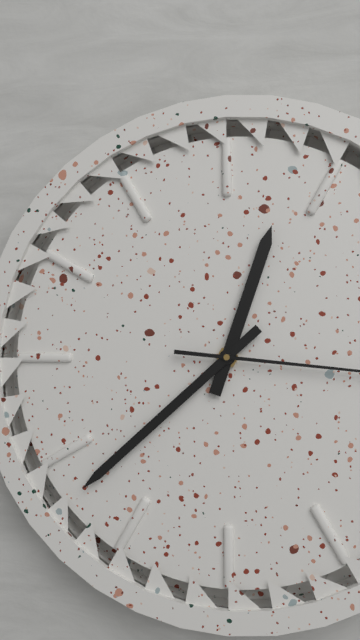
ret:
12,38
